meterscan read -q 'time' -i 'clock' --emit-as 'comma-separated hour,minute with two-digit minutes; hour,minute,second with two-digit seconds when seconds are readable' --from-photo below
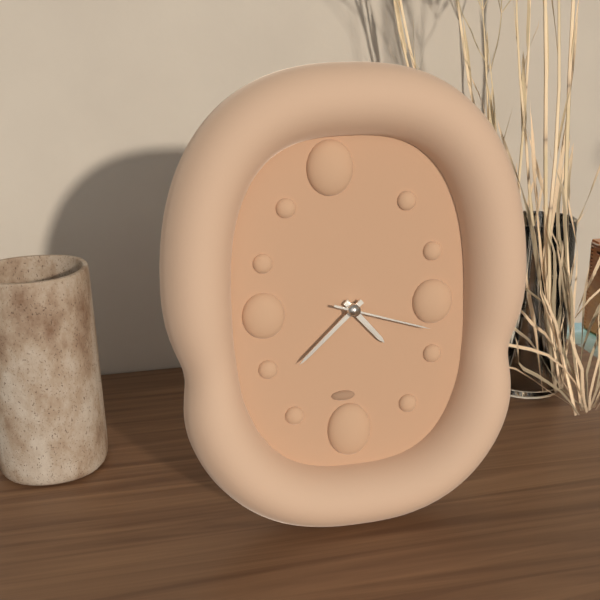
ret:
4,38,18
